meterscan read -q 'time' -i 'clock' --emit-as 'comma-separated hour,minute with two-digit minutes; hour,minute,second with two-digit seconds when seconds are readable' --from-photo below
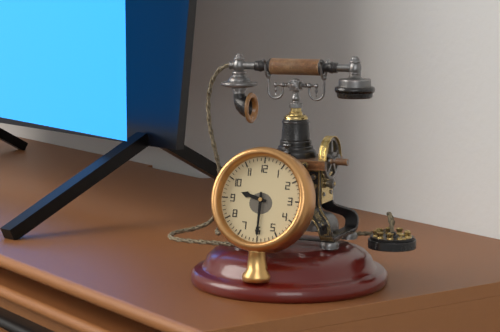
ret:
9,30
